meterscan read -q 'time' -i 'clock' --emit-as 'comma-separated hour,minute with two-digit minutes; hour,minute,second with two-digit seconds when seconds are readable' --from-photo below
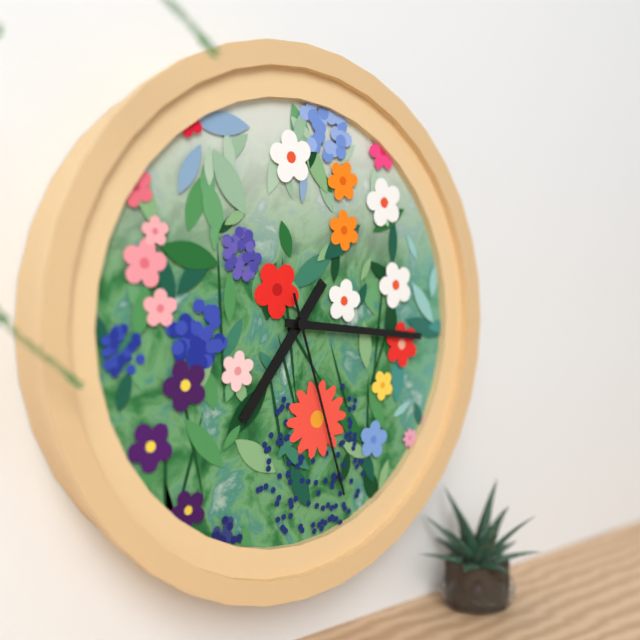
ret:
7,16,27
